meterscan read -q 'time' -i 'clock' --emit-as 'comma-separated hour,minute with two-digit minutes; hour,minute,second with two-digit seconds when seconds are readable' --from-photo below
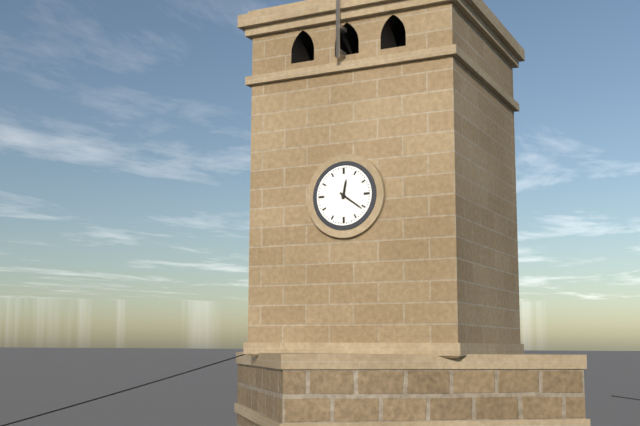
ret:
12,21
